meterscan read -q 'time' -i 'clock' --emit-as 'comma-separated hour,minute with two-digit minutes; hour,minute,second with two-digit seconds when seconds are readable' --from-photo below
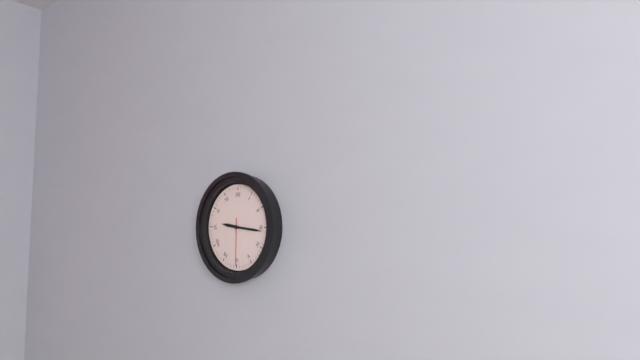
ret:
9,16
